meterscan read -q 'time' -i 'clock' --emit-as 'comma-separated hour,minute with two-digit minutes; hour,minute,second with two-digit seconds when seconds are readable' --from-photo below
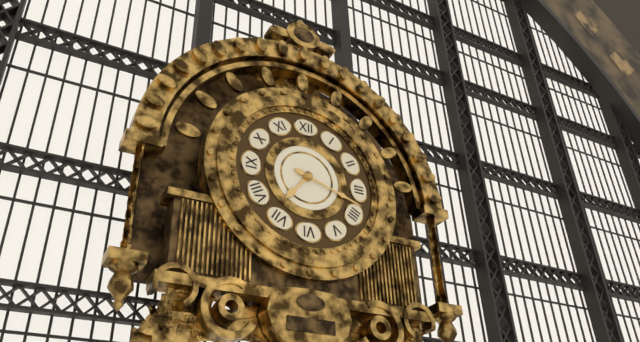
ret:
7,18
